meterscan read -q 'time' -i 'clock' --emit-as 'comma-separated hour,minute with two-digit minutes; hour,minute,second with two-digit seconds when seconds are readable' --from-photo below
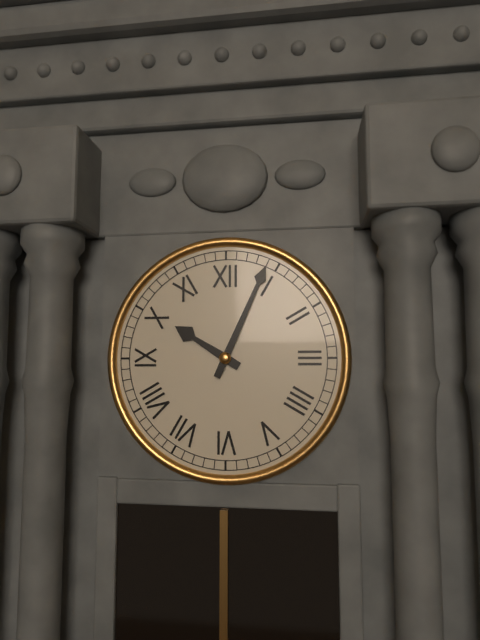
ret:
10,04
